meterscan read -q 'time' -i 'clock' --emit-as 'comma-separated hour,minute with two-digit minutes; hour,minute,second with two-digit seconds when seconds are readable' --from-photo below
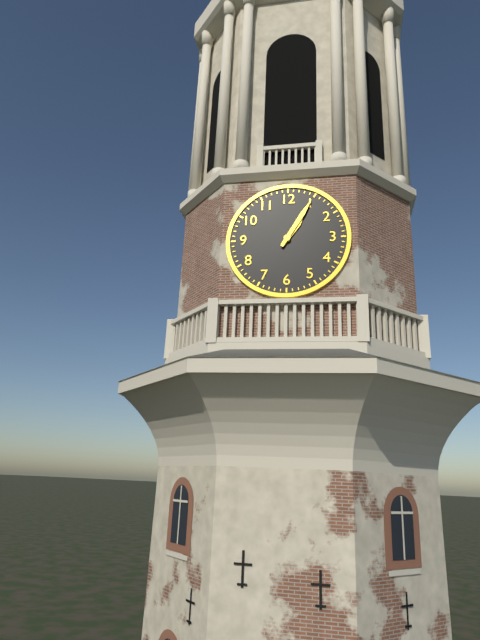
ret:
1,05
